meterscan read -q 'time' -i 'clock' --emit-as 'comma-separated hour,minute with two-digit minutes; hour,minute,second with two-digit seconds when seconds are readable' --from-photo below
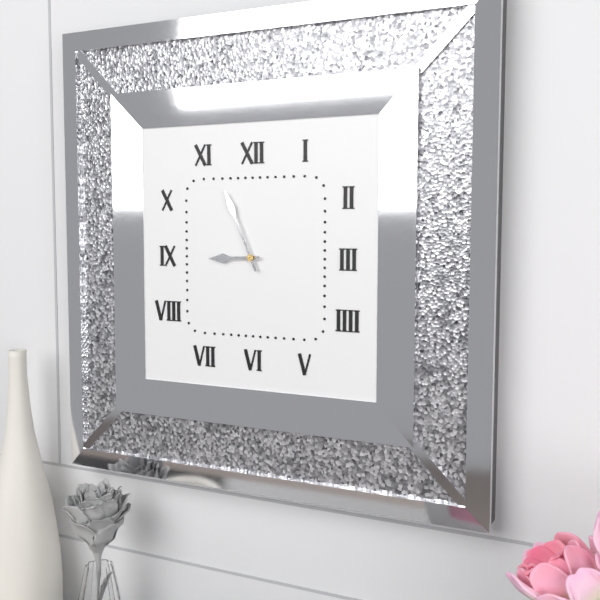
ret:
8,56
